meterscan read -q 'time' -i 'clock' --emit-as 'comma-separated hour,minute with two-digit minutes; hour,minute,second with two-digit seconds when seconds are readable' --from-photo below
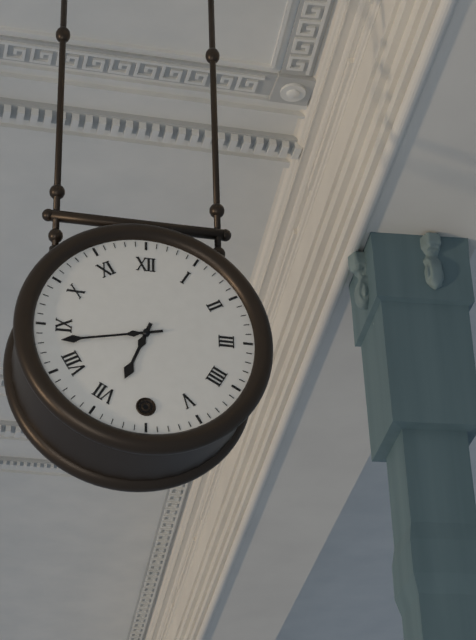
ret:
6,43
